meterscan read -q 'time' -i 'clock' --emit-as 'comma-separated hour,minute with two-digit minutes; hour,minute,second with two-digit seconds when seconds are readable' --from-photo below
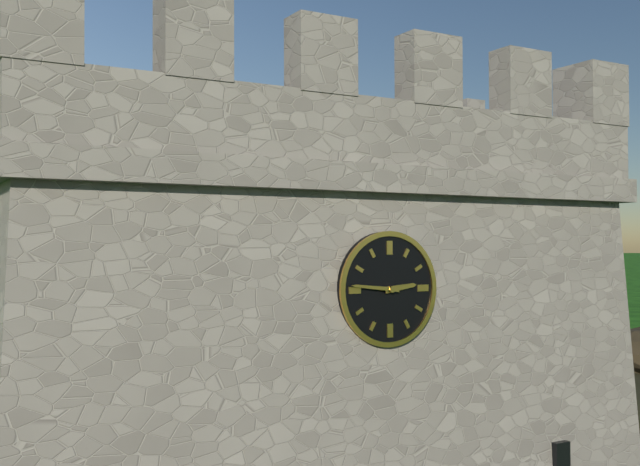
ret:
2,46
